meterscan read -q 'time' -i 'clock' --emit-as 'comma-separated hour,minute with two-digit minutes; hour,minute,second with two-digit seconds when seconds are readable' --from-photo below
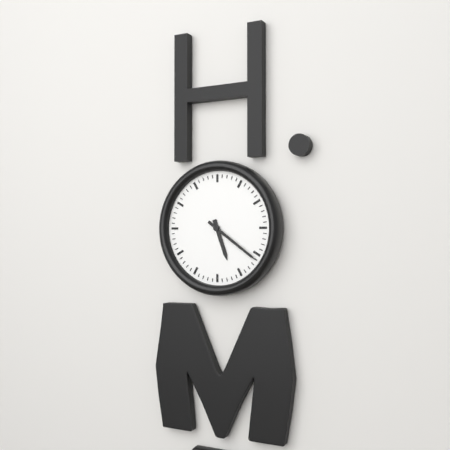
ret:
5,21
